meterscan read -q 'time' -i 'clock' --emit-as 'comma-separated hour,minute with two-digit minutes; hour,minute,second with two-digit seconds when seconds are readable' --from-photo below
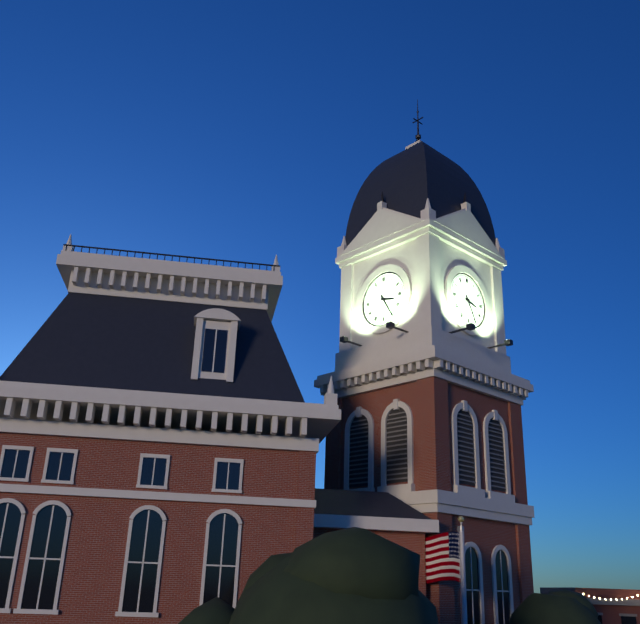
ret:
3,25
